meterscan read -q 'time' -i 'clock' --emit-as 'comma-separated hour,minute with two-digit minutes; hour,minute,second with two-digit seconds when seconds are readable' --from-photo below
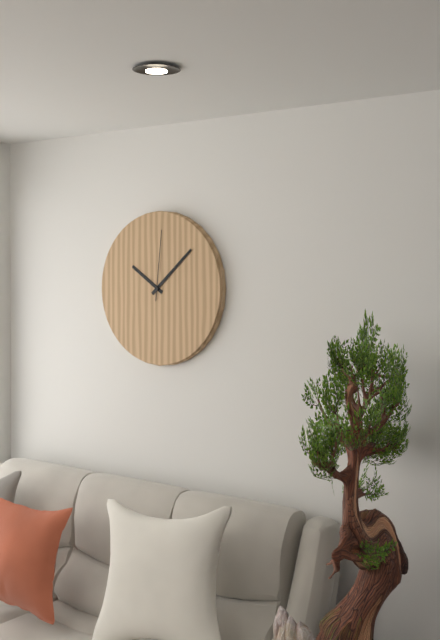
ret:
10,08,01
